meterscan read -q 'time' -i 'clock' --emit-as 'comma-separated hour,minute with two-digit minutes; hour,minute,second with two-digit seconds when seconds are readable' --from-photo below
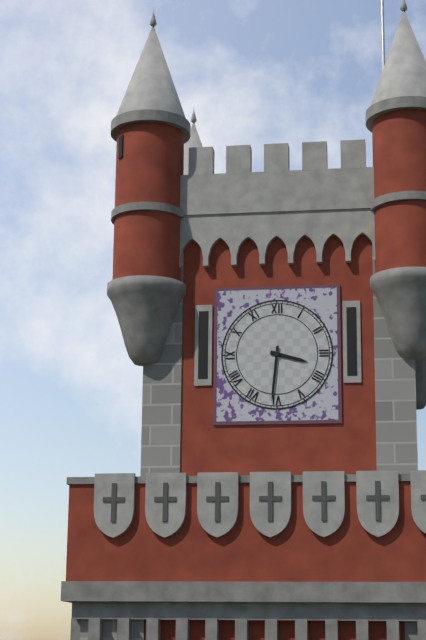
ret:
3,31
